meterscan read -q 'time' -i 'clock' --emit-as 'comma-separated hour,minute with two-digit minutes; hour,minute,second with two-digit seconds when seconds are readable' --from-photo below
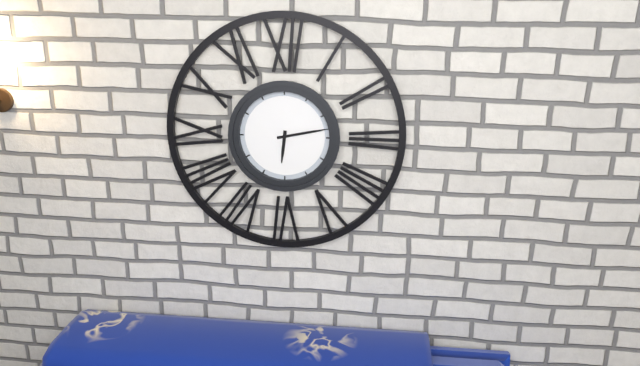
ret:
6,13
